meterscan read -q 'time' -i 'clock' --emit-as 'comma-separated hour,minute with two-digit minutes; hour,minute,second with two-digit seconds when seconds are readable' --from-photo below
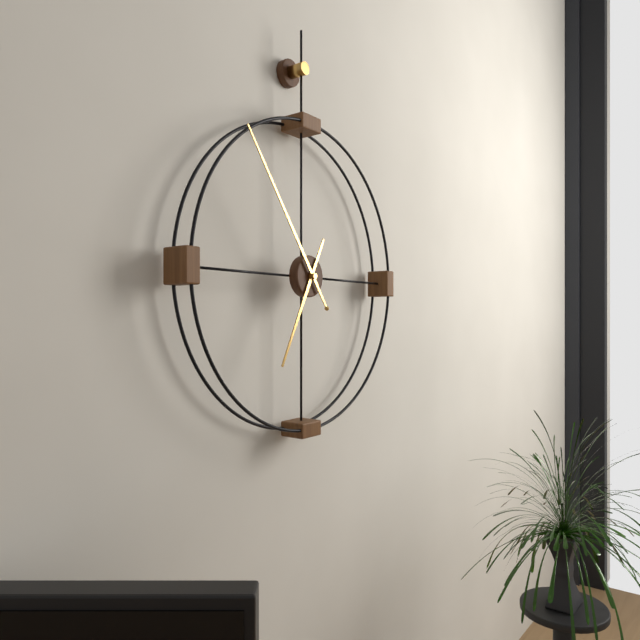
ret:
6,54
